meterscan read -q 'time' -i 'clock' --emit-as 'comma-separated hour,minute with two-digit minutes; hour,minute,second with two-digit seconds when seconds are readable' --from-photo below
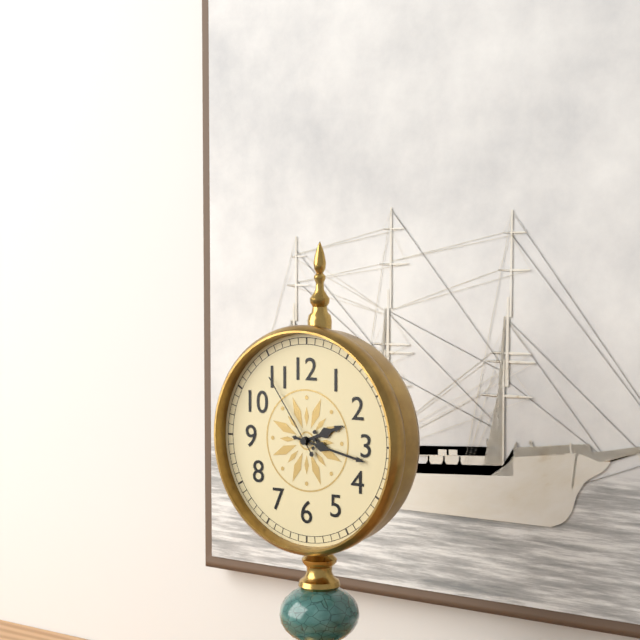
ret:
2,17,54
